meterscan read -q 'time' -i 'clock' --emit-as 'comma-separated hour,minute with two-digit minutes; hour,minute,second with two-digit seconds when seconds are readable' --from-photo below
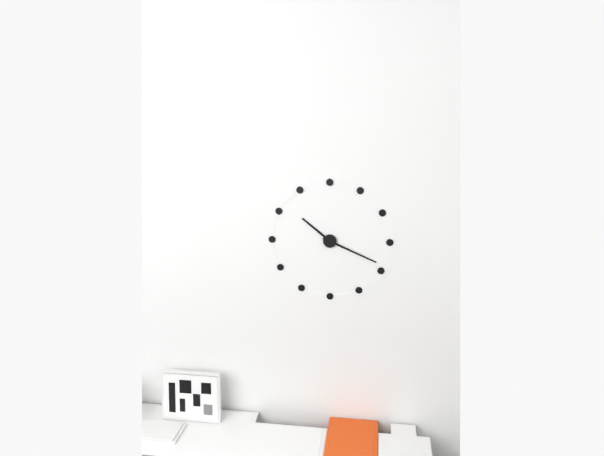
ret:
10,19
